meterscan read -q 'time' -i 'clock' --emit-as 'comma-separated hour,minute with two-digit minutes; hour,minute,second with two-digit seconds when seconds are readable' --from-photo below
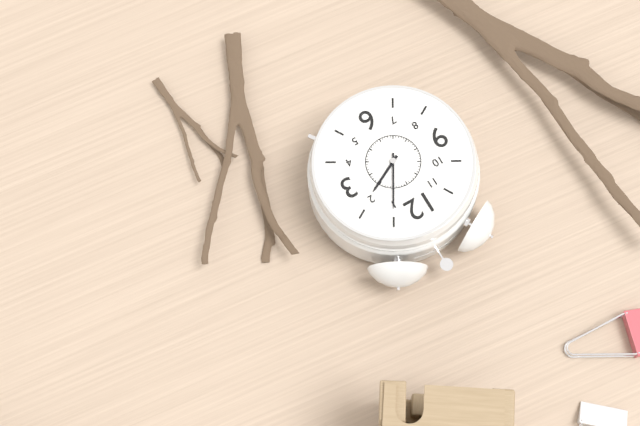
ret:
2,05
